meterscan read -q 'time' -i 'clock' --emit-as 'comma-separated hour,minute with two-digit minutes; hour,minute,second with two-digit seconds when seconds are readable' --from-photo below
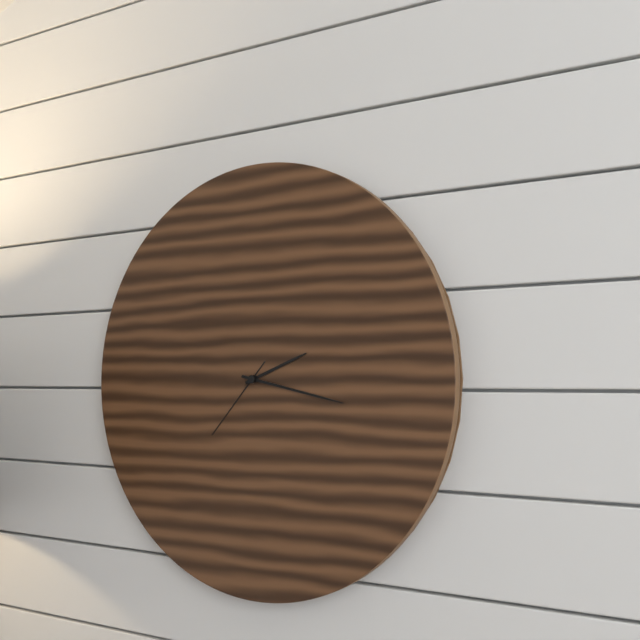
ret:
2,17,37
